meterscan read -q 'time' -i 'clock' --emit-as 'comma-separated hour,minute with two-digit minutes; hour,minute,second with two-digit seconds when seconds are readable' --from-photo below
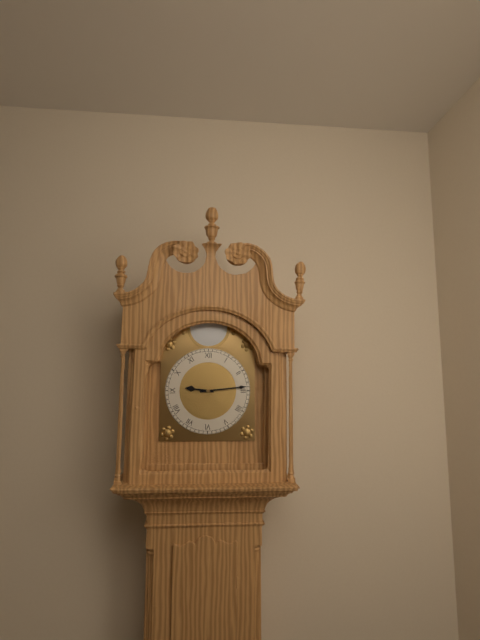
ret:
9,14
